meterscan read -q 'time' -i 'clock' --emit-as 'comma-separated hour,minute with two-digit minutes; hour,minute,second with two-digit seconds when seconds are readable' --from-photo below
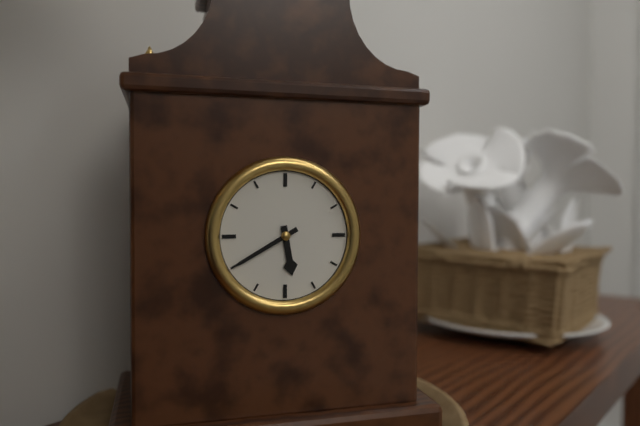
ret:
5,40
